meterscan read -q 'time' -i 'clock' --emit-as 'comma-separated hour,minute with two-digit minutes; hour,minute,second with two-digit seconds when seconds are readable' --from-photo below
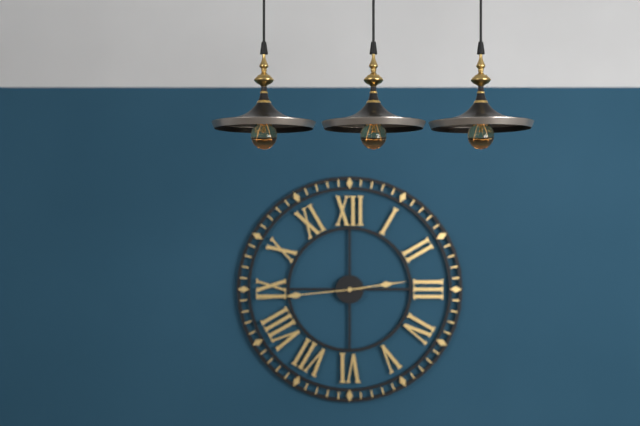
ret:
2,44
